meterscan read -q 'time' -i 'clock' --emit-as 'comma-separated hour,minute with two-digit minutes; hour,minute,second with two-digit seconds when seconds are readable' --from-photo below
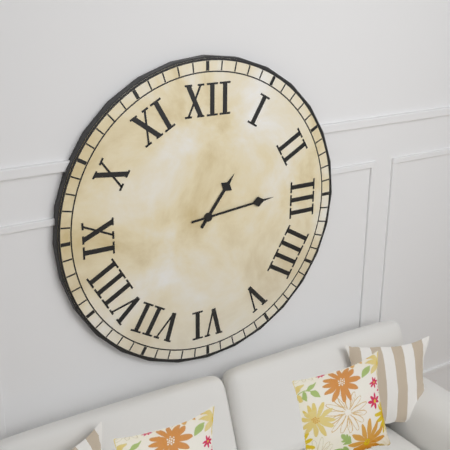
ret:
1,14
